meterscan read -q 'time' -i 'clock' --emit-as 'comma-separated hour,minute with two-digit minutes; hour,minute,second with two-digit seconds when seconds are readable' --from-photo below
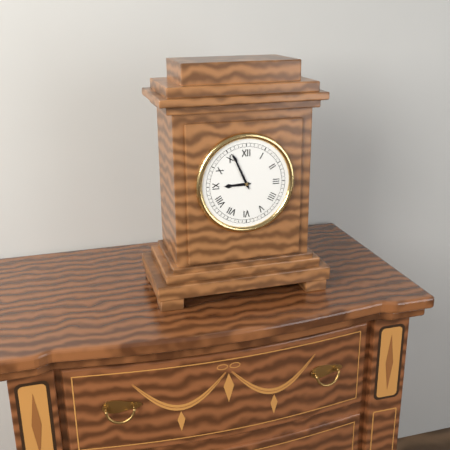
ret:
8,56
